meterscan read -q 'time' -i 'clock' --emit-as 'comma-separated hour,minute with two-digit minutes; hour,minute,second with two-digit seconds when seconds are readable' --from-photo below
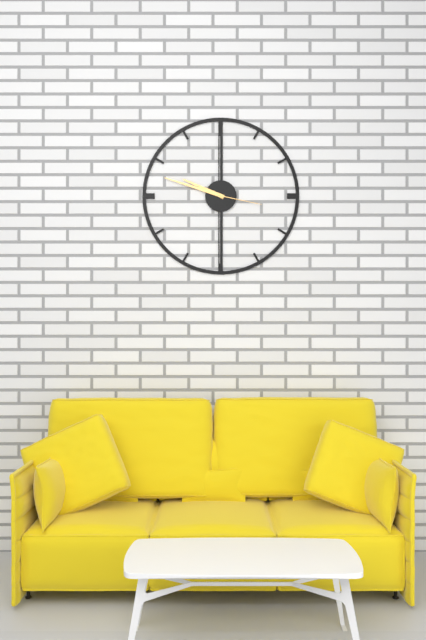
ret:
9,48,17
